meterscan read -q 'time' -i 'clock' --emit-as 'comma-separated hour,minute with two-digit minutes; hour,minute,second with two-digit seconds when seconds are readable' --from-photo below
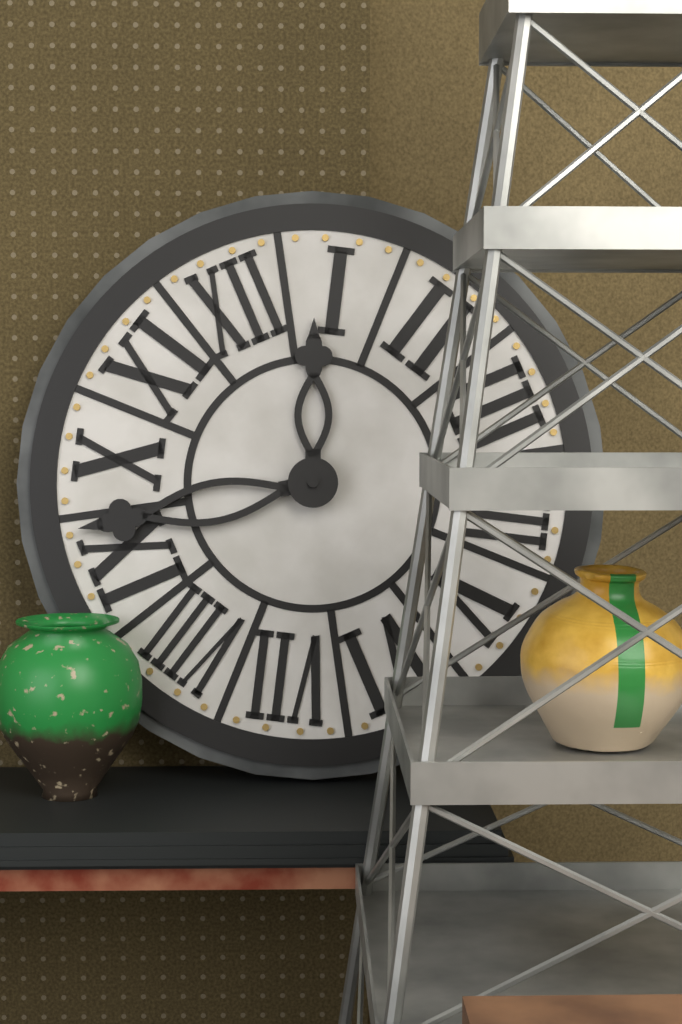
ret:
12,47
